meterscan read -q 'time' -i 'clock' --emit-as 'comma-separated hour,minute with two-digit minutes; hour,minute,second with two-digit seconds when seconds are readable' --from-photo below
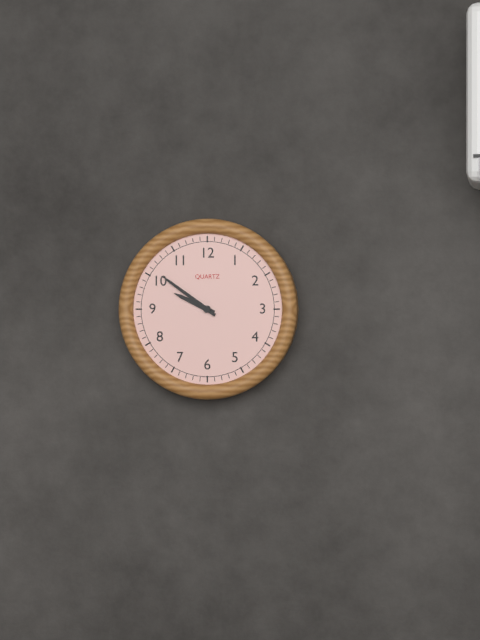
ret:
9,51
